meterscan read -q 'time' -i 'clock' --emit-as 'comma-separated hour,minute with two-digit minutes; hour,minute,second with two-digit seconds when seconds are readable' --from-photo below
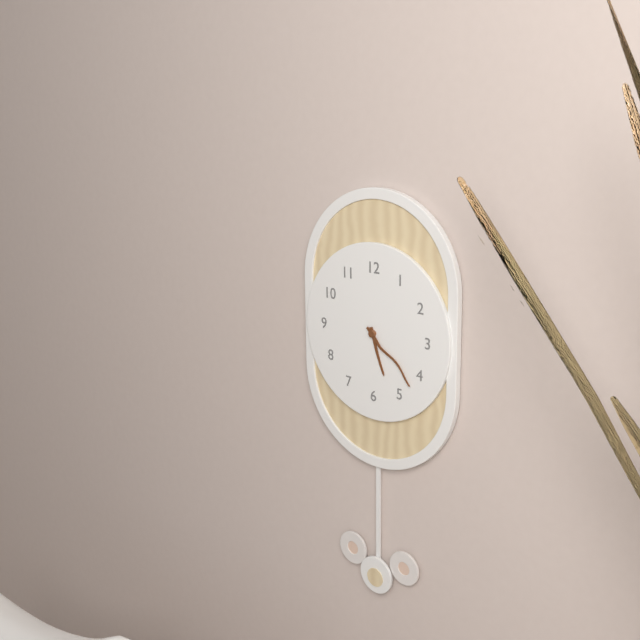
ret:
5,22
